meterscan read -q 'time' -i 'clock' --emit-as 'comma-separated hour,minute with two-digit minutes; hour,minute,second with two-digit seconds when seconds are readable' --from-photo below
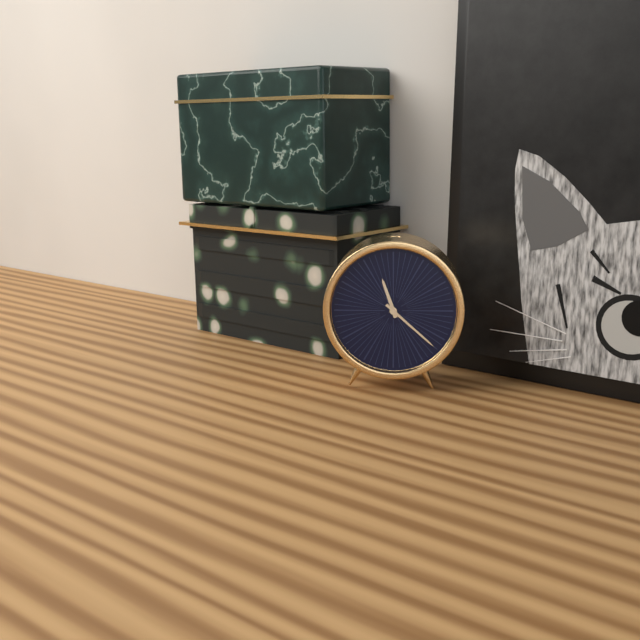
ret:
11,22
